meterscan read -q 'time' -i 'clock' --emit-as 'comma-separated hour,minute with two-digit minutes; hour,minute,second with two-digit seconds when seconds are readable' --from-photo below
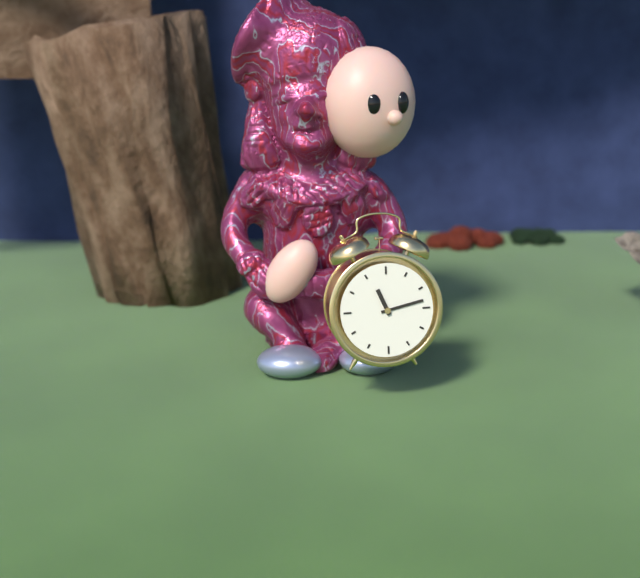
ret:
11,13
